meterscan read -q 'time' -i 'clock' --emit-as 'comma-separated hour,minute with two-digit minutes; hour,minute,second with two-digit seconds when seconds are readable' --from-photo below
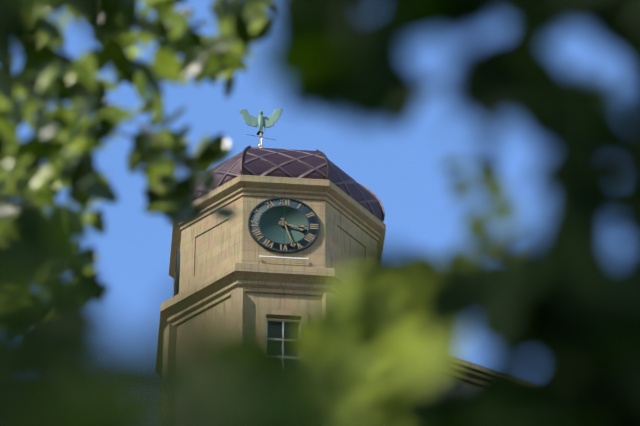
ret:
3,27
